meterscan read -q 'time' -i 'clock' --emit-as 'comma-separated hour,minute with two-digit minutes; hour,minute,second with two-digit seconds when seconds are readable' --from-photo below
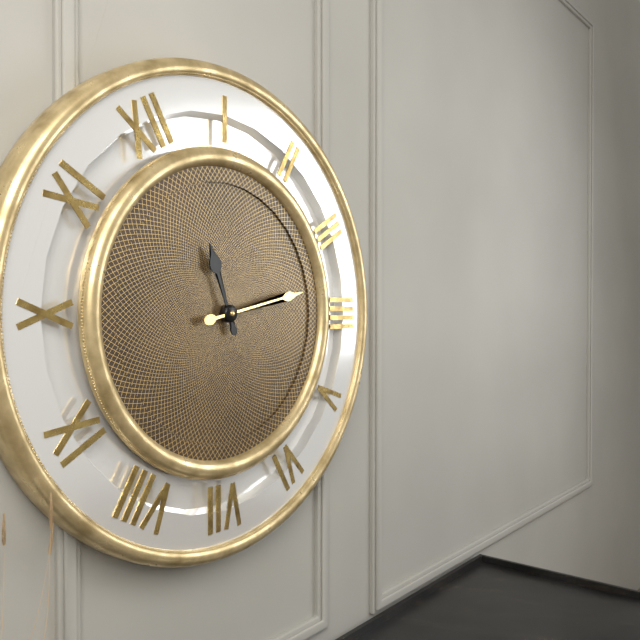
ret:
12,18
